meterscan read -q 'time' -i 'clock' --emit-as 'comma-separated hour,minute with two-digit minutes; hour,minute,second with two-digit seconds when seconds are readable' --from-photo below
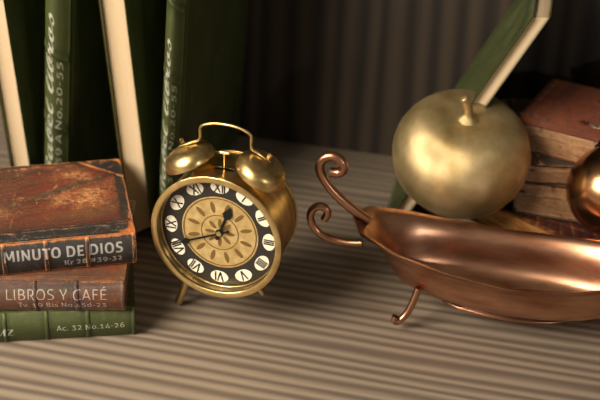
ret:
12,41
